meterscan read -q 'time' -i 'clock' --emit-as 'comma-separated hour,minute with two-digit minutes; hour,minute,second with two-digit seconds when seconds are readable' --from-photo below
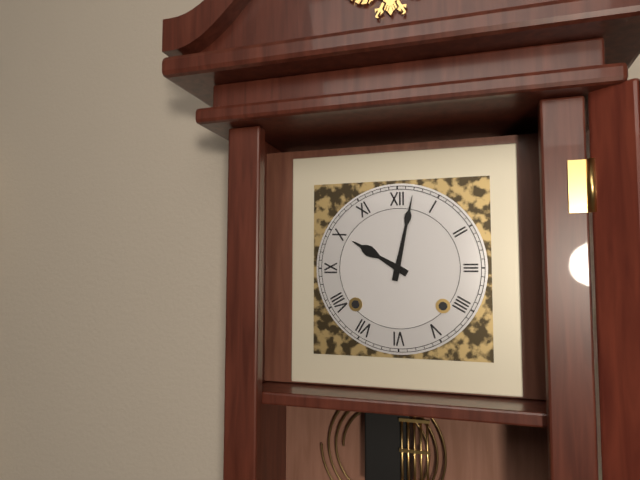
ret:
10,02
